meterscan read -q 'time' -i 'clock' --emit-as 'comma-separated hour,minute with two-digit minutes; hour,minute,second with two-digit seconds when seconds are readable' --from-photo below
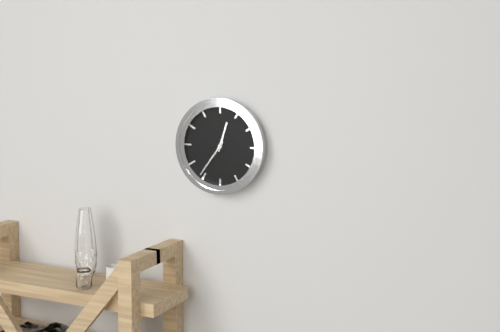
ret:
12,36
